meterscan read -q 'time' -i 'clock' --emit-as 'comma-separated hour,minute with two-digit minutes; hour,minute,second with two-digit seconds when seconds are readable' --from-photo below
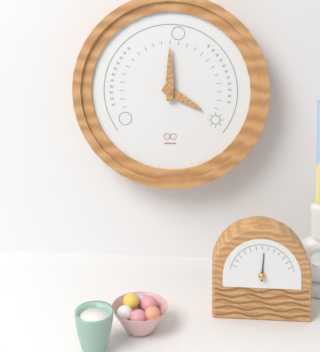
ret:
4,00
